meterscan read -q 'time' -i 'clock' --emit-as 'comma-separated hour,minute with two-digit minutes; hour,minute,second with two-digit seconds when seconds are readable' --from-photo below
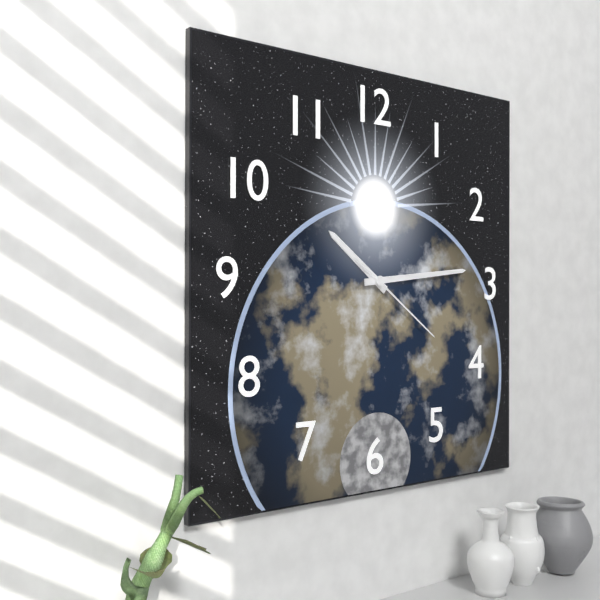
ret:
10,14,21
